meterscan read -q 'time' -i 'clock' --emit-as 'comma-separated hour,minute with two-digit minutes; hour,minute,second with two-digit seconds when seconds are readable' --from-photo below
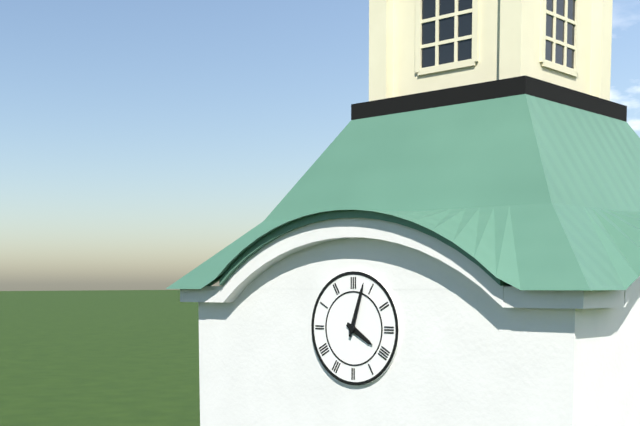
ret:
4,03
